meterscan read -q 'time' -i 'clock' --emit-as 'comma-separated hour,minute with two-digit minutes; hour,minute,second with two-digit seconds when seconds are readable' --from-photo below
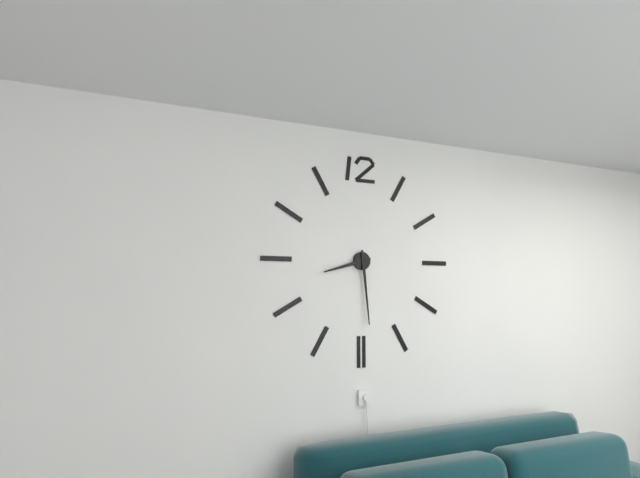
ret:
8,29
